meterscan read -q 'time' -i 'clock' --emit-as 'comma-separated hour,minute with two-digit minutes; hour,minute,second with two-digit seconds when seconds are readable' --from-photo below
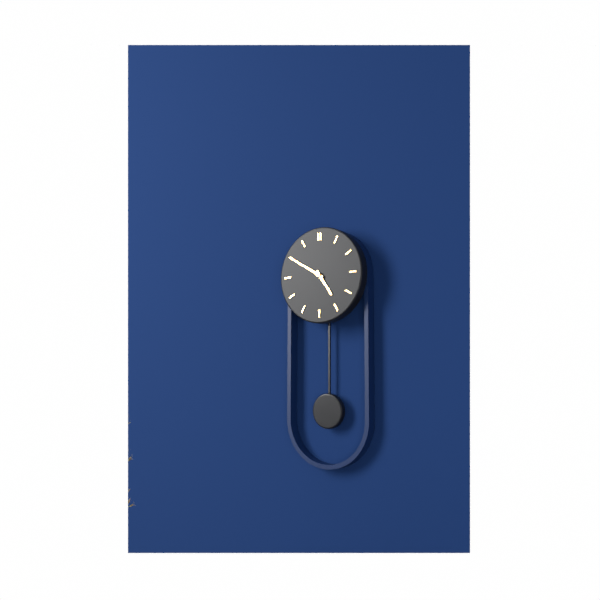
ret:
4,50
